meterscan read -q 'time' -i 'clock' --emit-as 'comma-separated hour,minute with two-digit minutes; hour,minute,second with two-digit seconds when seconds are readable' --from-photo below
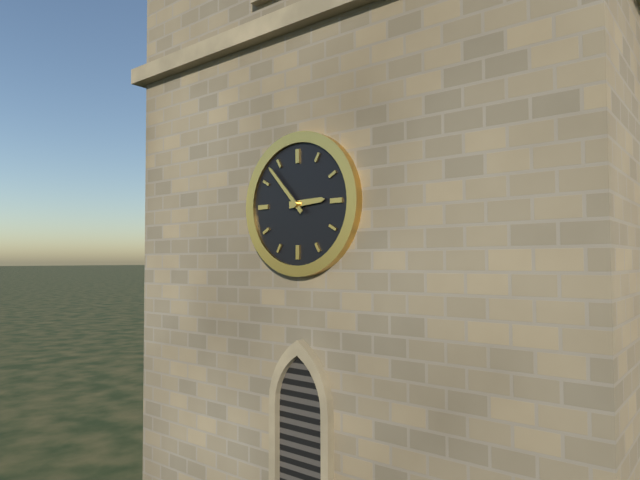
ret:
2,53
